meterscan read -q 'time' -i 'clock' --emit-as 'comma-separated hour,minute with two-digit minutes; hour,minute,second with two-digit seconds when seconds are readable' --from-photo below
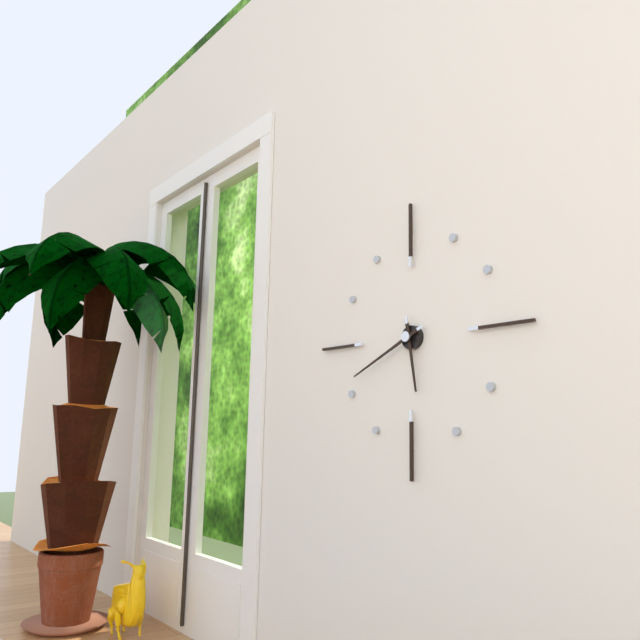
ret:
5,41
